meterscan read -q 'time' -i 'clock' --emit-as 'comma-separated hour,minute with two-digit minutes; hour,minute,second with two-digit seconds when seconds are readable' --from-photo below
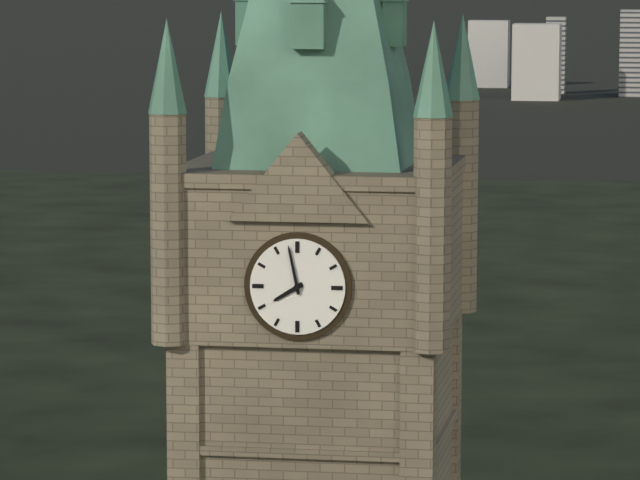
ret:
7,58
